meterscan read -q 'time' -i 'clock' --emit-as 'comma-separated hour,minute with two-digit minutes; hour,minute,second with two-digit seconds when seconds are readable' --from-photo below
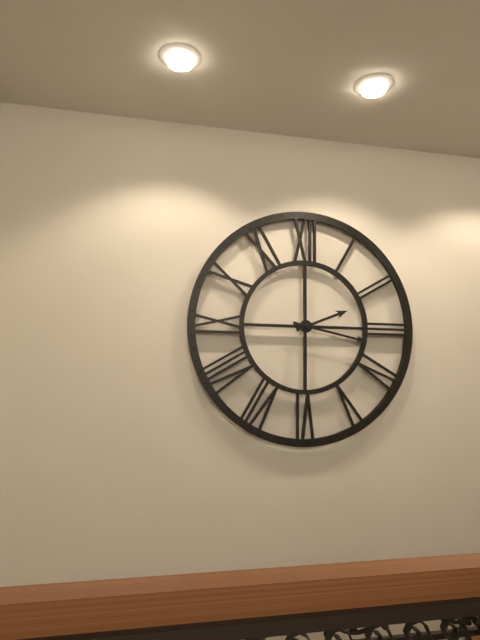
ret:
2,17
